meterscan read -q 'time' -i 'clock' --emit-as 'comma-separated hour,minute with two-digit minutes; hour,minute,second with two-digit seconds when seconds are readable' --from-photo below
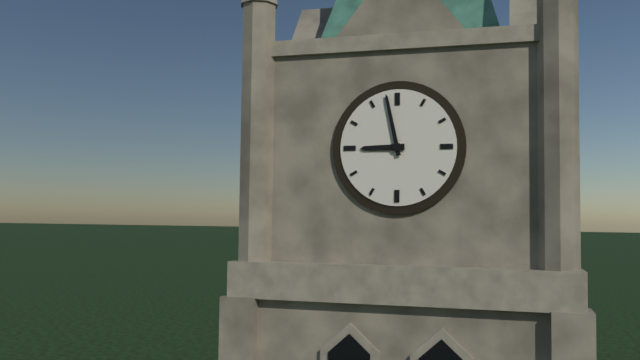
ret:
8,58
